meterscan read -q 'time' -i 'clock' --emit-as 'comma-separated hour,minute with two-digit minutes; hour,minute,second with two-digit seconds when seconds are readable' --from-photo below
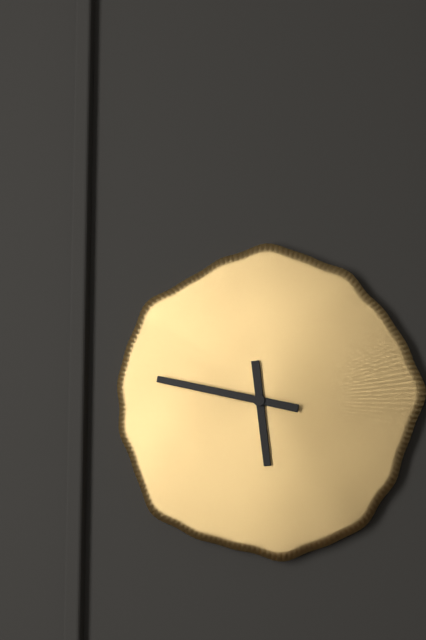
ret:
5,47
